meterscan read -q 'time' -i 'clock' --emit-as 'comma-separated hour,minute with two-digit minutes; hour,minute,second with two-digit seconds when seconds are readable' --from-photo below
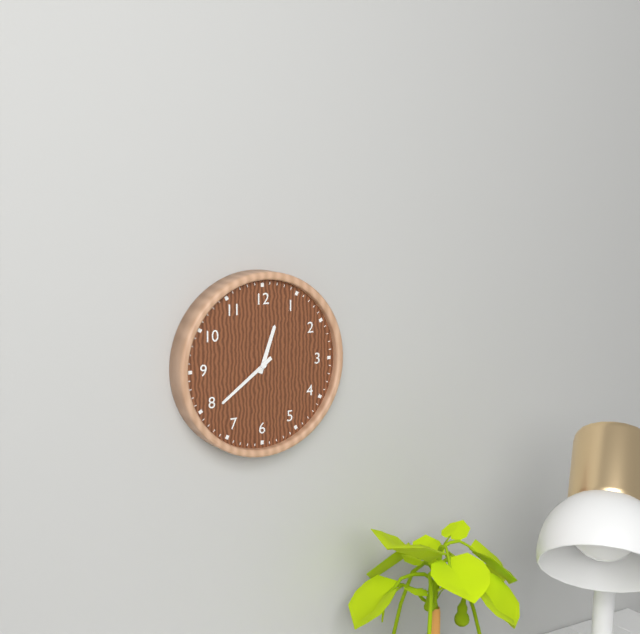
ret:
12,39
